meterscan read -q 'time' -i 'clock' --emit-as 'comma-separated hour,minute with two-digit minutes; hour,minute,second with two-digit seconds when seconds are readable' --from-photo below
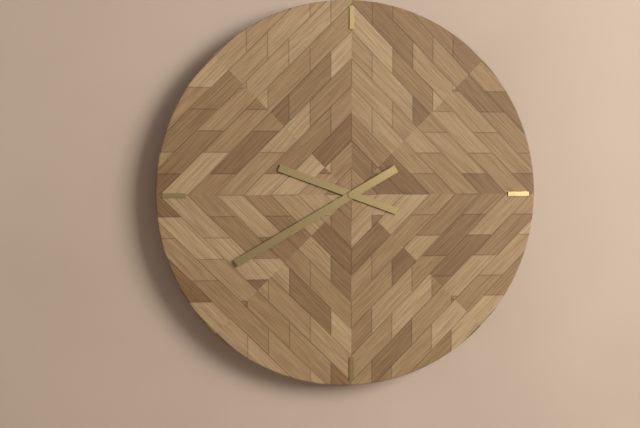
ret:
9,40
